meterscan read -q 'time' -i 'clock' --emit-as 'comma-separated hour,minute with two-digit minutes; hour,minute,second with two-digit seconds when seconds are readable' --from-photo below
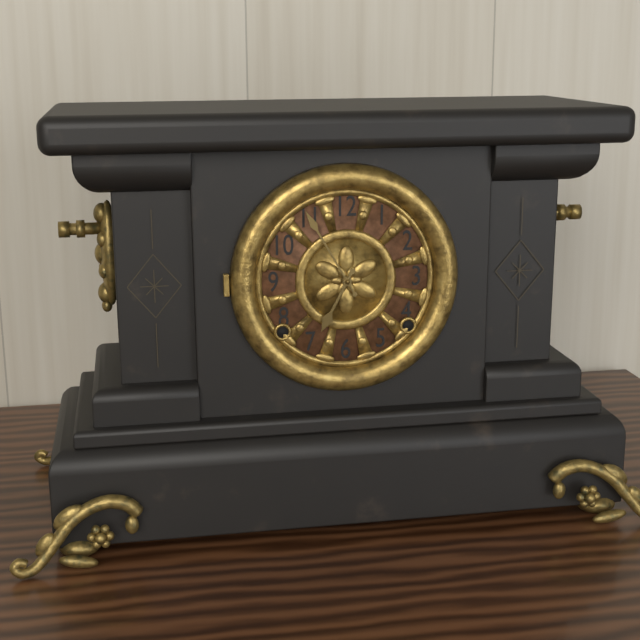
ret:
6,55
